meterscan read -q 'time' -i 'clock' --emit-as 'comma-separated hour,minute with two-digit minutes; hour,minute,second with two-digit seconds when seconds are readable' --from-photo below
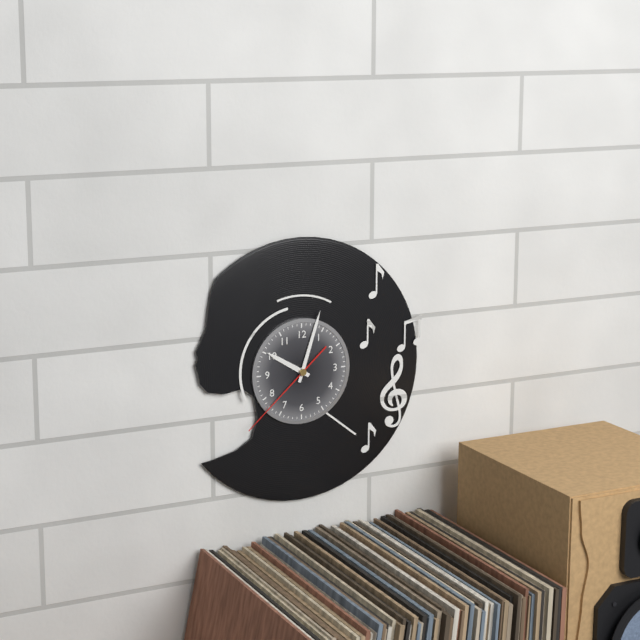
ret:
10,03,38
